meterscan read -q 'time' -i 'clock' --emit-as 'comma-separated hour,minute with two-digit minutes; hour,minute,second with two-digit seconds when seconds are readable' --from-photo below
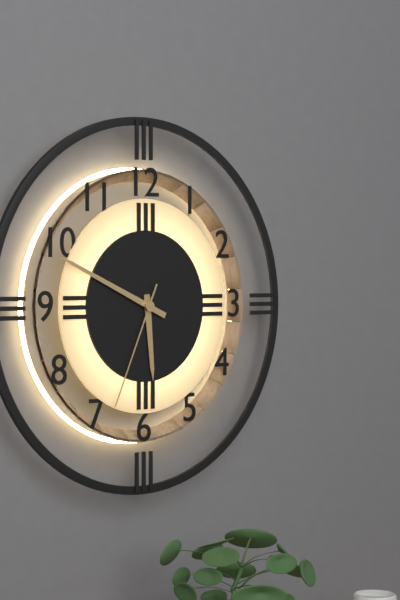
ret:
5,49,34
